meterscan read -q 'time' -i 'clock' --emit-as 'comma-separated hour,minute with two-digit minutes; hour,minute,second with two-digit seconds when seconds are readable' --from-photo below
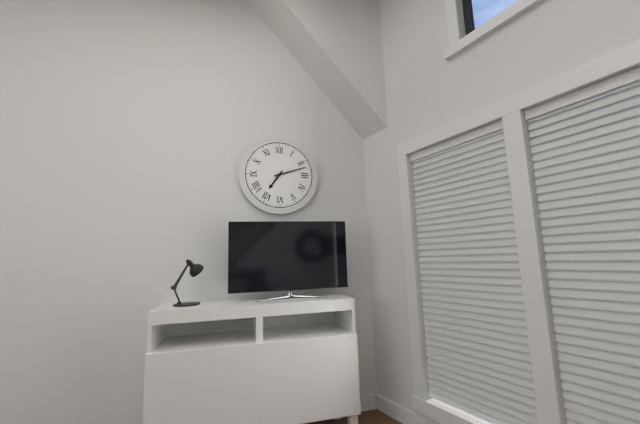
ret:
7,12
